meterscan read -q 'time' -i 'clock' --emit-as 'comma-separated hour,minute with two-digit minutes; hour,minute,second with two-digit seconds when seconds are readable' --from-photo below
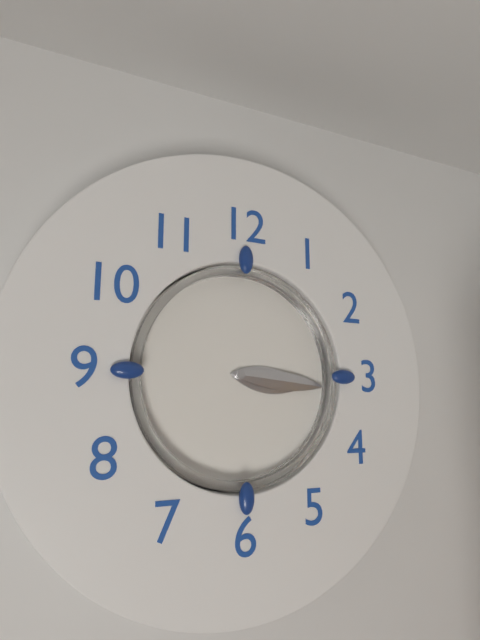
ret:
3,16
